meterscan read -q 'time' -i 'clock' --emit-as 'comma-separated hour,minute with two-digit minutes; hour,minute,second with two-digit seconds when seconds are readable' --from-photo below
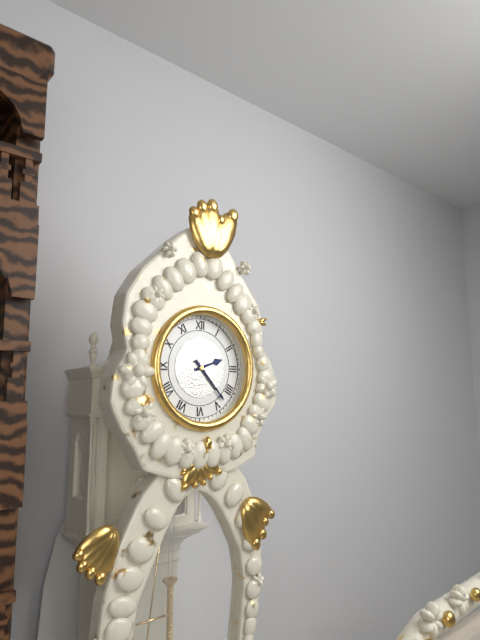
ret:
2,23
